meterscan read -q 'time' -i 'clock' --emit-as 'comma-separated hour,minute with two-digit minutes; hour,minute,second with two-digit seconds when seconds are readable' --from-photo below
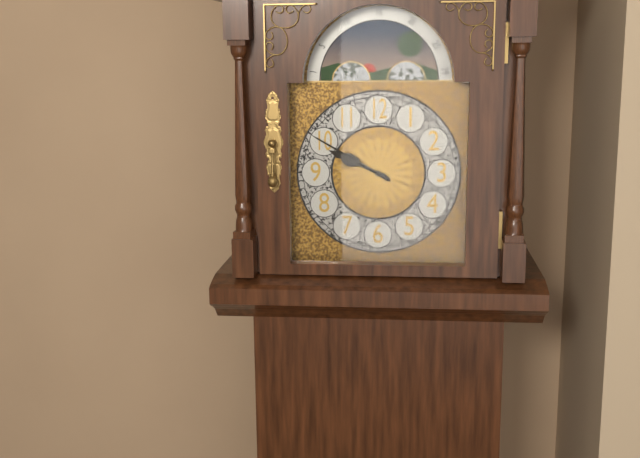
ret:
9,50
